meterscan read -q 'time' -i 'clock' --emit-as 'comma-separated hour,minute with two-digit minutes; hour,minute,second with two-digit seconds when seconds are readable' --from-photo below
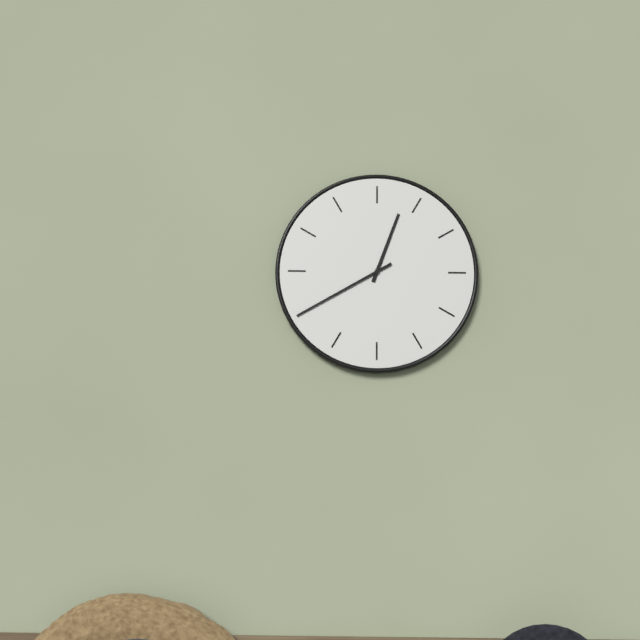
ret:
12,40
